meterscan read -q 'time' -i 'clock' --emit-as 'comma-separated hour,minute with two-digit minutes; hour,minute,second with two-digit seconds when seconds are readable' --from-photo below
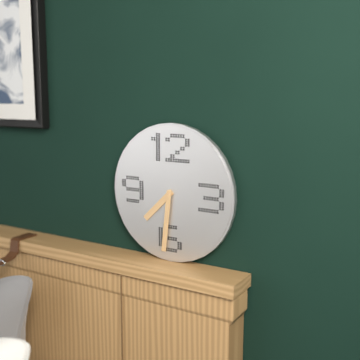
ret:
7,31
